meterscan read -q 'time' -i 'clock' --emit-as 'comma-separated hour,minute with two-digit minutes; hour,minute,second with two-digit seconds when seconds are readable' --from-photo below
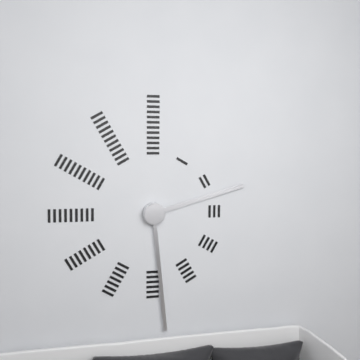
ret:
2,29
